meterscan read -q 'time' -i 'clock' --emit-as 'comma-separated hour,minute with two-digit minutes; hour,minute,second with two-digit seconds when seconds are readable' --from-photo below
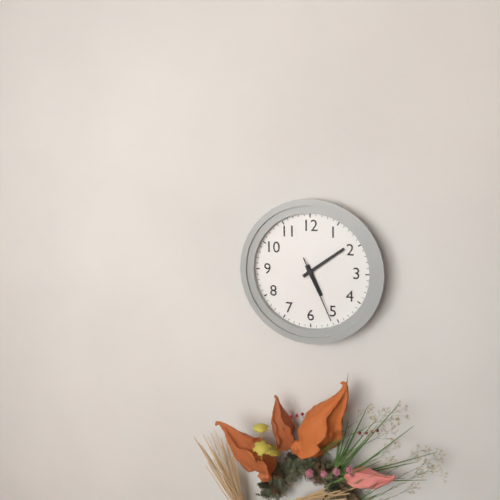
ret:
5,09,26
